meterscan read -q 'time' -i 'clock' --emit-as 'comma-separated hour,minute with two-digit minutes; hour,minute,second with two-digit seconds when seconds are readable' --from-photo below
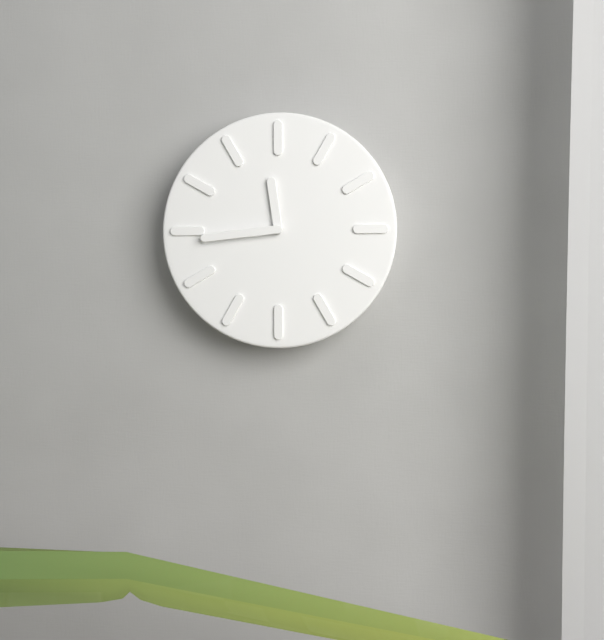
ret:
11,44
